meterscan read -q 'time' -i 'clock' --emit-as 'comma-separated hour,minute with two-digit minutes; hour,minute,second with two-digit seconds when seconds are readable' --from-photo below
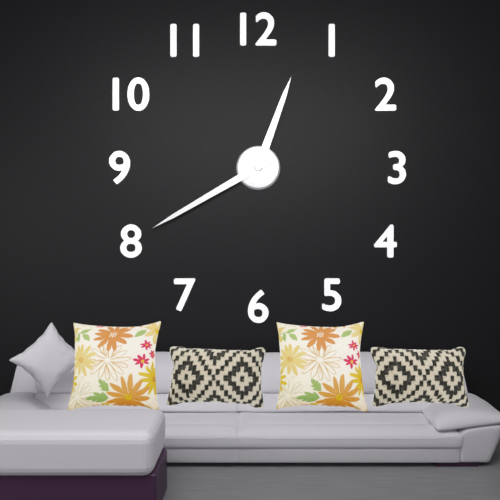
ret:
12,40
